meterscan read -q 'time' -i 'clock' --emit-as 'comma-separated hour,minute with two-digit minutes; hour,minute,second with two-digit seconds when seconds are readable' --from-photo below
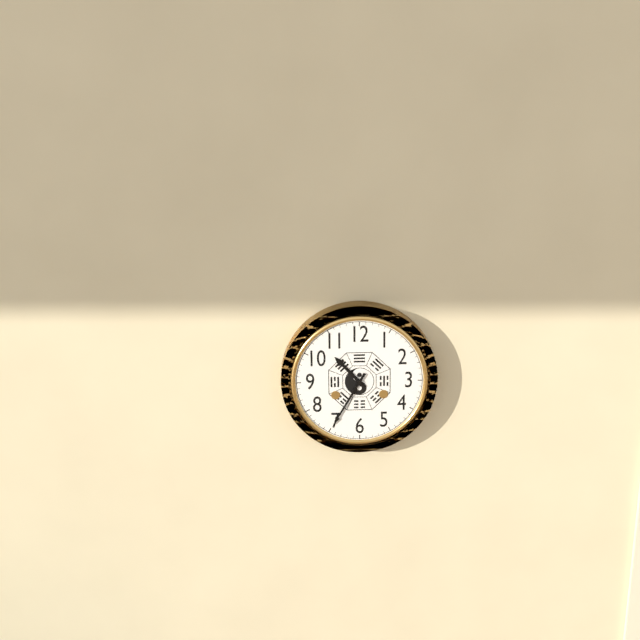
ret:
10,35
